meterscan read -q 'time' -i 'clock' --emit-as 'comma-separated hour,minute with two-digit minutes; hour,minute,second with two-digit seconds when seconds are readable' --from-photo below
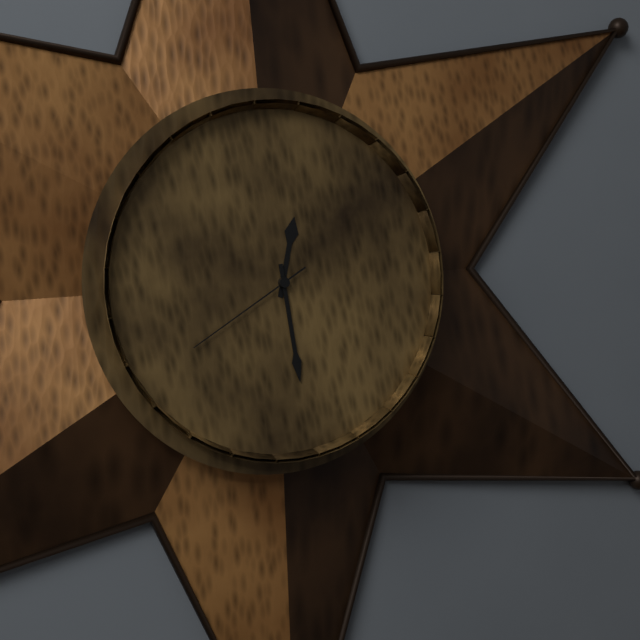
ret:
12,29,40
